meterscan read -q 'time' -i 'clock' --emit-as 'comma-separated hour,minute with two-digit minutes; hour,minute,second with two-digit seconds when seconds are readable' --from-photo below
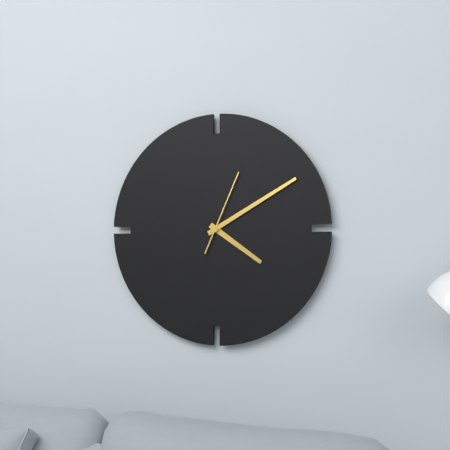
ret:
4,10,04
